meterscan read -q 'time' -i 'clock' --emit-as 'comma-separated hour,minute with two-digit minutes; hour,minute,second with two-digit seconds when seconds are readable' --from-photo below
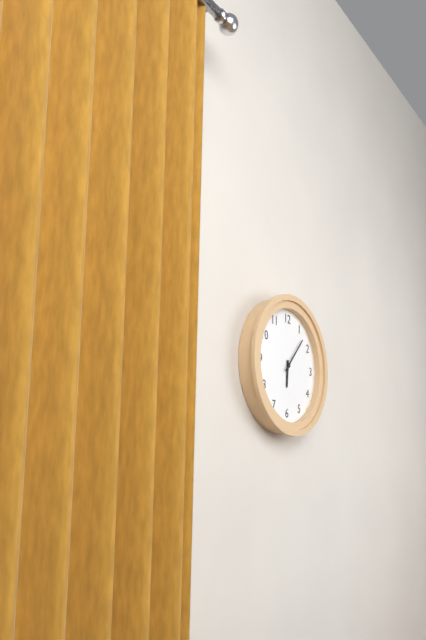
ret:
6,07
